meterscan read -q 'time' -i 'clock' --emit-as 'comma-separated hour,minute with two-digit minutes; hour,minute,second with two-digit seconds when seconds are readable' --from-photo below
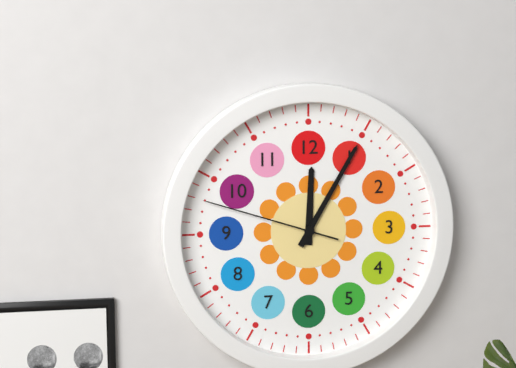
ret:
12,05,48
